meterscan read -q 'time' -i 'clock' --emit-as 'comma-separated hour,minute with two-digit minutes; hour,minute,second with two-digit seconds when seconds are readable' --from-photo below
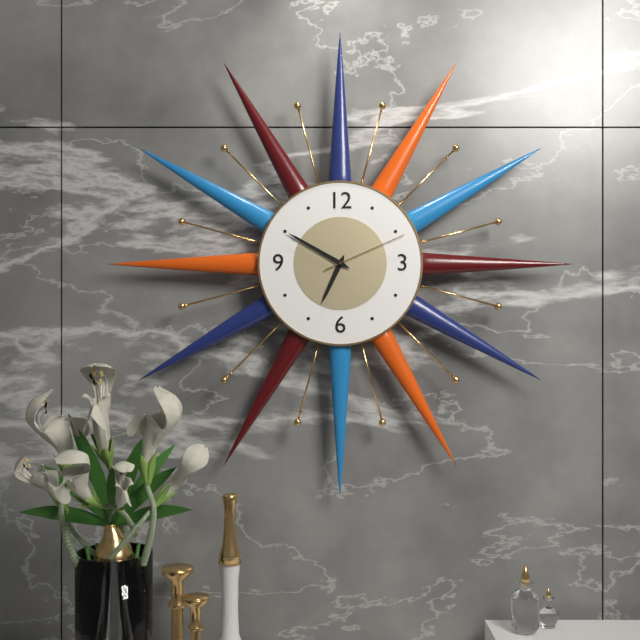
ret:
6,50,11
